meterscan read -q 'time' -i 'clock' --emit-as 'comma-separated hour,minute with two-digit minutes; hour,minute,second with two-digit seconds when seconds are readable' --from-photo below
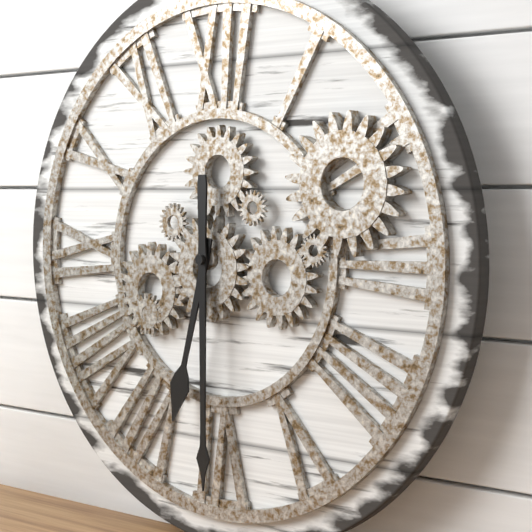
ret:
6,30
